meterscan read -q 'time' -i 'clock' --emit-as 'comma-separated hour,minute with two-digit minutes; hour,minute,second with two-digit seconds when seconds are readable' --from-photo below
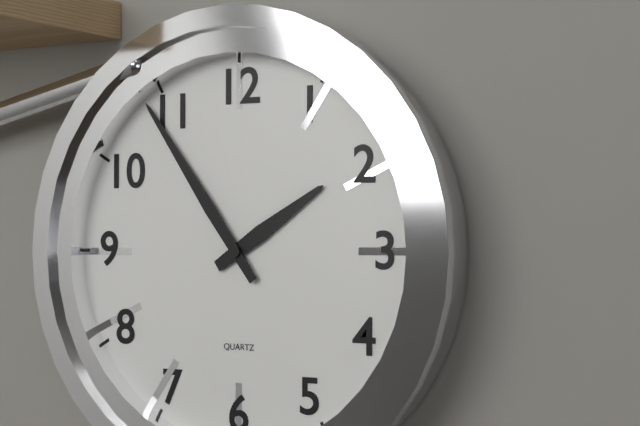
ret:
1,54
